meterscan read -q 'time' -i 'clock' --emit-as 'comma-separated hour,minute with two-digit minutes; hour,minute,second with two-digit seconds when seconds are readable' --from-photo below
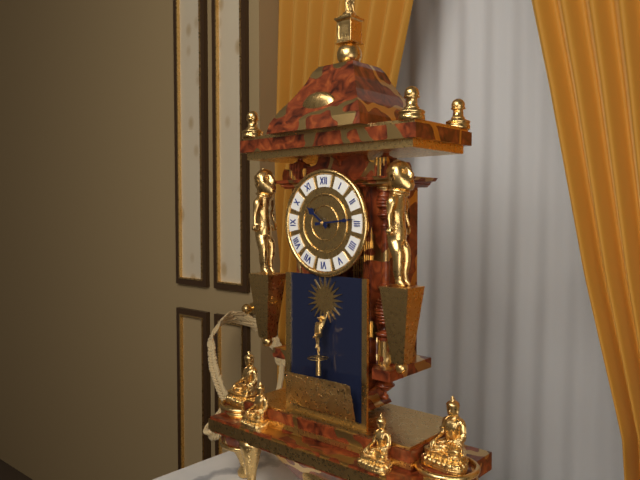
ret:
10,14
